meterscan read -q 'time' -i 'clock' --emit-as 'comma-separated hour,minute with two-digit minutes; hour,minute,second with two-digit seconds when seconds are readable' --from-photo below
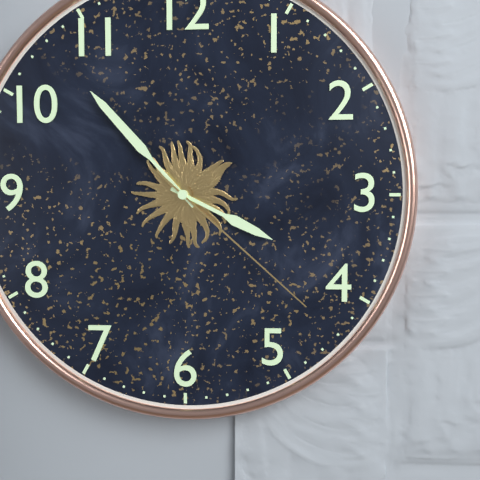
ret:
3,53,22
